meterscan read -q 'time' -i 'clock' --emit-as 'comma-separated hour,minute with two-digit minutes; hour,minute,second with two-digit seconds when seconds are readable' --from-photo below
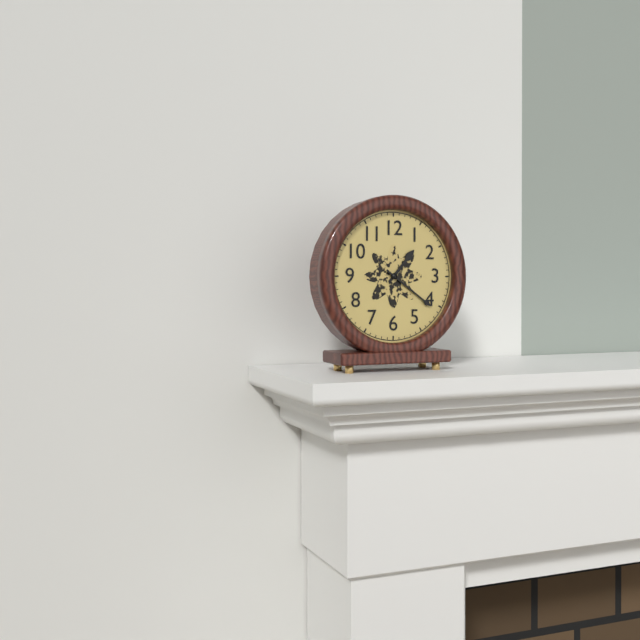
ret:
1,21
